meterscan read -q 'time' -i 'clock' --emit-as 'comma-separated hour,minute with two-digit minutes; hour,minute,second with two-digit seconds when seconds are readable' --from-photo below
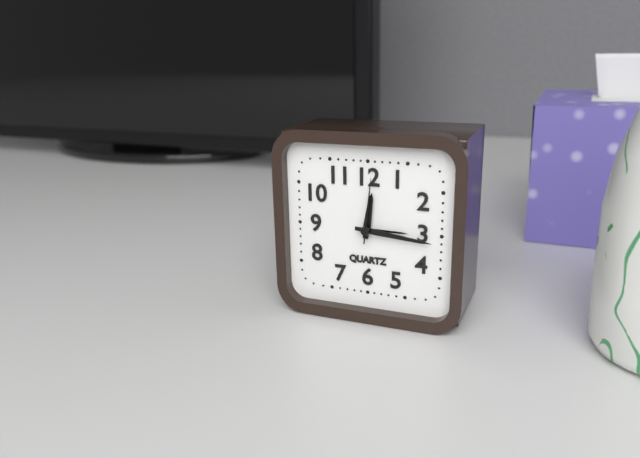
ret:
12,16,01
